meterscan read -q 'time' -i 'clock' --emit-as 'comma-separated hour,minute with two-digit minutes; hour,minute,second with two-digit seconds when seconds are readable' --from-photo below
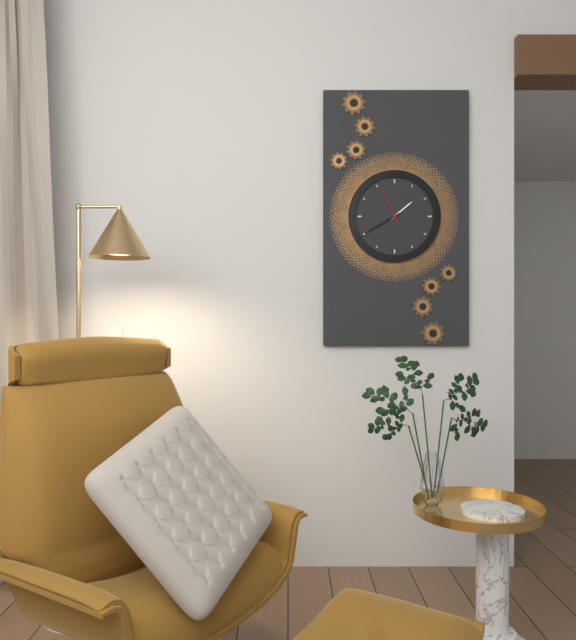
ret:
1,40
